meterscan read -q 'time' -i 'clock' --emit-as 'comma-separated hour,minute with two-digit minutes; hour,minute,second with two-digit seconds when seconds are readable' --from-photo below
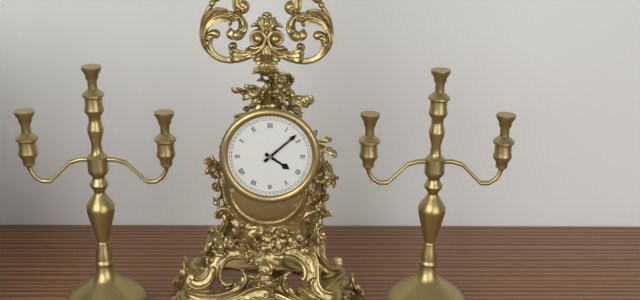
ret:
4,08
